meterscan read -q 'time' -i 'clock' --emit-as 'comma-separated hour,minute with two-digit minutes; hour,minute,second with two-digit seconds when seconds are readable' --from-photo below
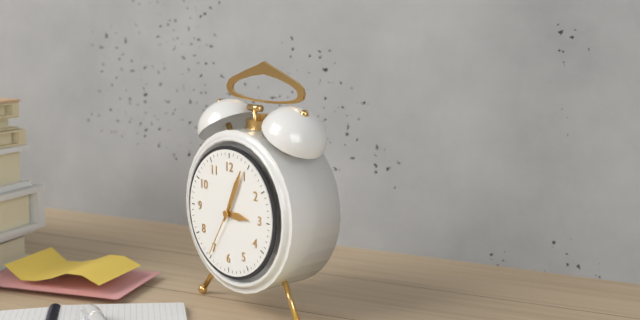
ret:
3,04,35
